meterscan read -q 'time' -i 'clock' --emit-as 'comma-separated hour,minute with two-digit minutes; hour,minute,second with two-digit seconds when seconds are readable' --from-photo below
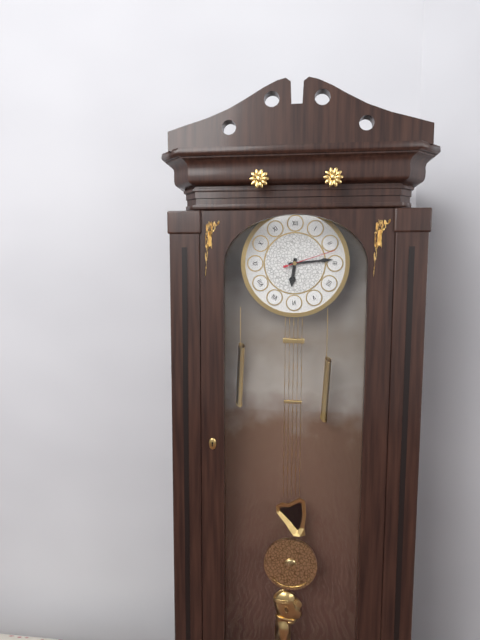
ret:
6,14,12
